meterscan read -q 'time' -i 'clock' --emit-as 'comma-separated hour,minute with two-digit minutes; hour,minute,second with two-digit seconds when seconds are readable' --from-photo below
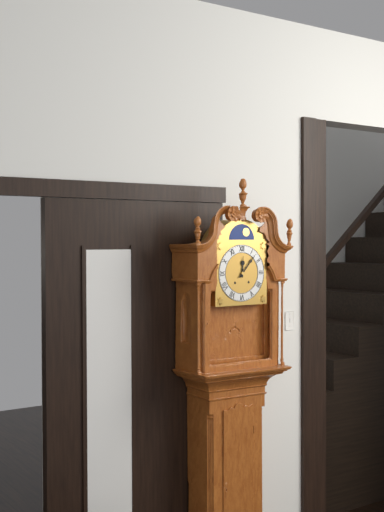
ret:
12,07
